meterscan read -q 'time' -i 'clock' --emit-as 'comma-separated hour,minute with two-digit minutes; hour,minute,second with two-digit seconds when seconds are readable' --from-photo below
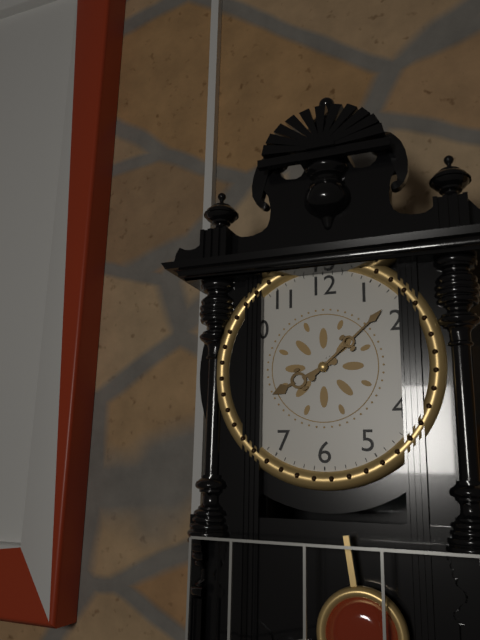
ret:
8,08
